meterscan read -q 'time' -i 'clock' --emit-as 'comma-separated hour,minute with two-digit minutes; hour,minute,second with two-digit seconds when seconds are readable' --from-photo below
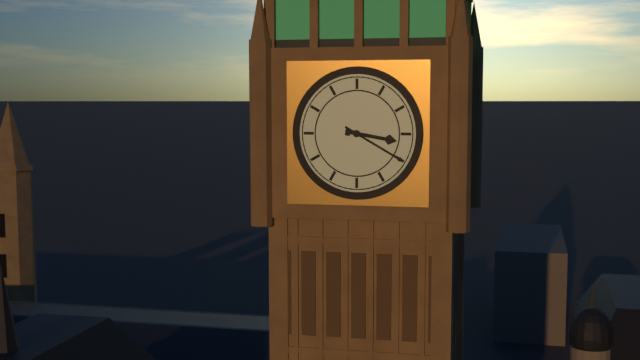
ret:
3,20
